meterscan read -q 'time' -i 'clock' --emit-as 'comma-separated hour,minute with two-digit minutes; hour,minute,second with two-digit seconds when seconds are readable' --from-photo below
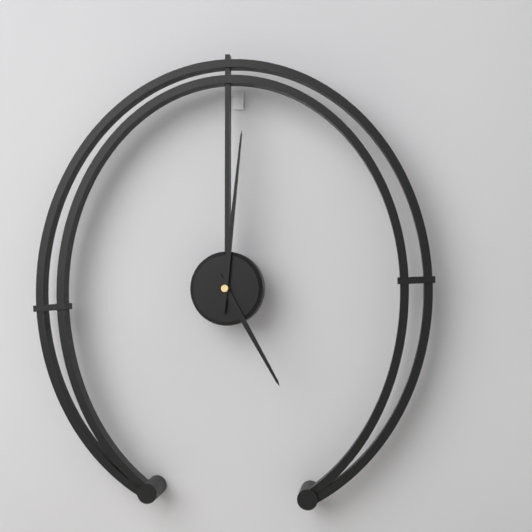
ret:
5,01
